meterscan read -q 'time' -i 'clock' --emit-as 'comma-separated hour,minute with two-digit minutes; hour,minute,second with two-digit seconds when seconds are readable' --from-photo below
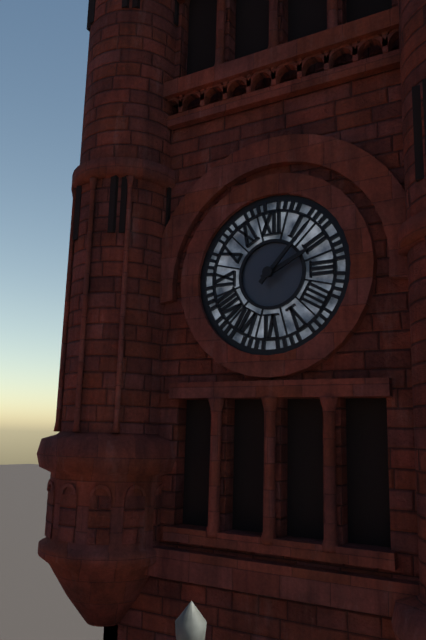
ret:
2,07
